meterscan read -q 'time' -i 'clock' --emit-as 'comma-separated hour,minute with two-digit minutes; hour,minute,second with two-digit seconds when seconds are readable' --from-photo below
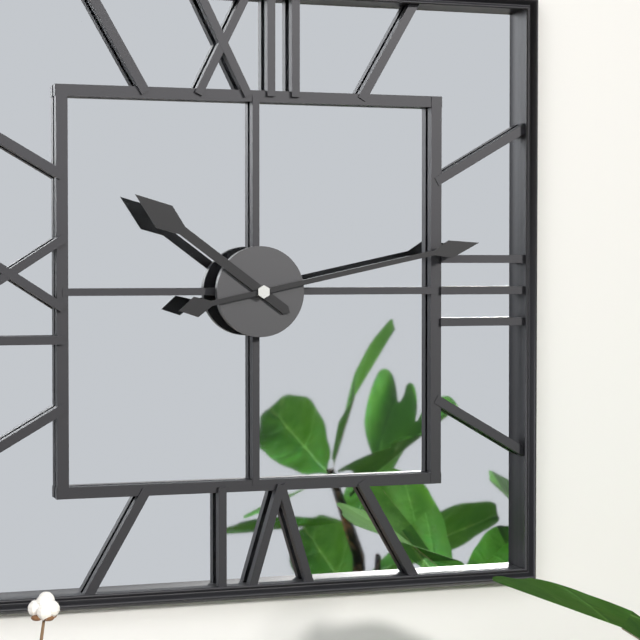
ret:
10,13
